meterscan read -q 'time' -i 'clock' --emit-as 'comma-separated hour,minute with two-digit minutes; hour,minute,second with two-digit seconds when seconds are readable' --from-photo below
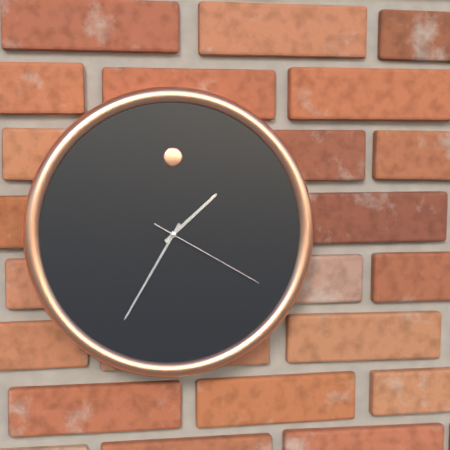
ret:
1,35,20
